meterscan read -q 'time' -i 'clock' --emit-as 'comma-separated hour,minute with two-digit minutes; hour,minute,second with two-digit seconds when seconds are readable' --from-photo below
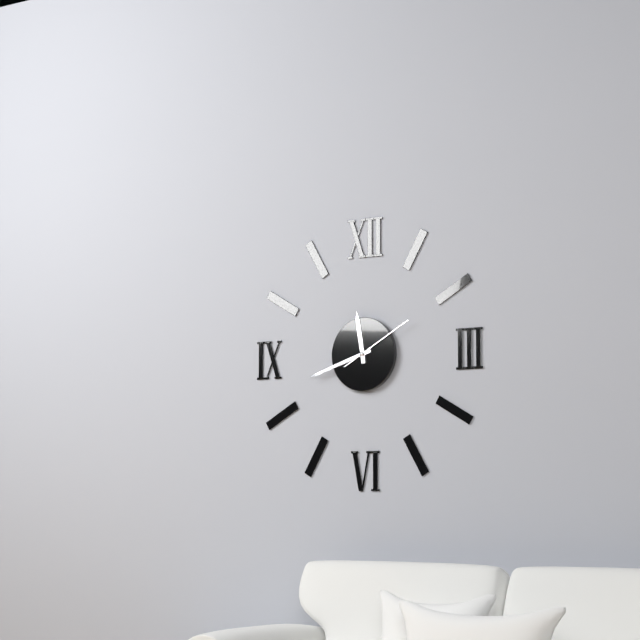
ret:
11,42,10
